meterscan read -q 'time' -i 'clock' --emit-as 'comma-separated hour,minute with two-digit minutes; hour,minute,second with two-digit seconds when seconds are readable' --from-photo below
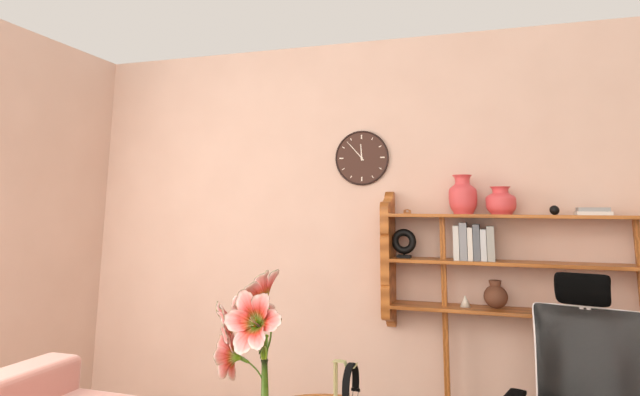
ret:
11,53
